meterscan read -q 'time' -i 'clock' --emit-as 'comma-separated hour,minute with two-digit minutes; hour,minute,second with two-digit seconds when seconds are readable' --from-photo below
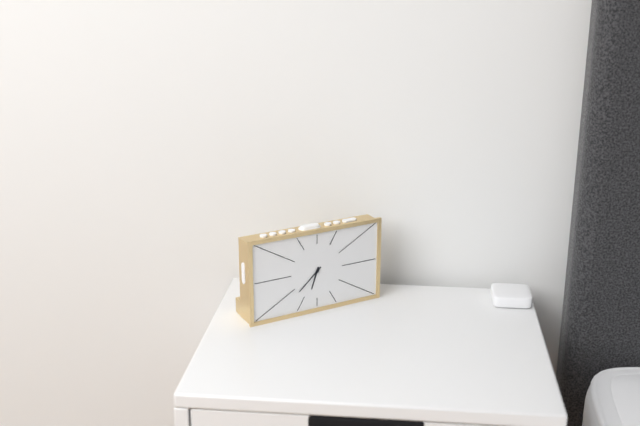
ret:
6,38
